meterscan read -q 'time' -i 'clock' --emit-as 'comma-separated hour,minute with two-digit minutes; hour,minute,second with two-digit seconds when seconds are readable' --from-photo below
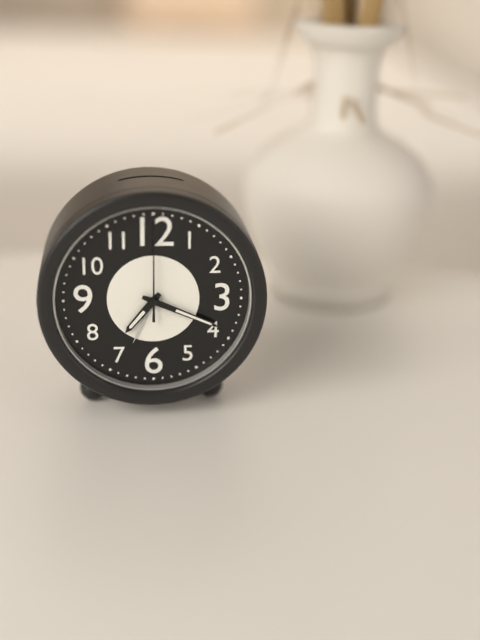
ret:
7,19,00
